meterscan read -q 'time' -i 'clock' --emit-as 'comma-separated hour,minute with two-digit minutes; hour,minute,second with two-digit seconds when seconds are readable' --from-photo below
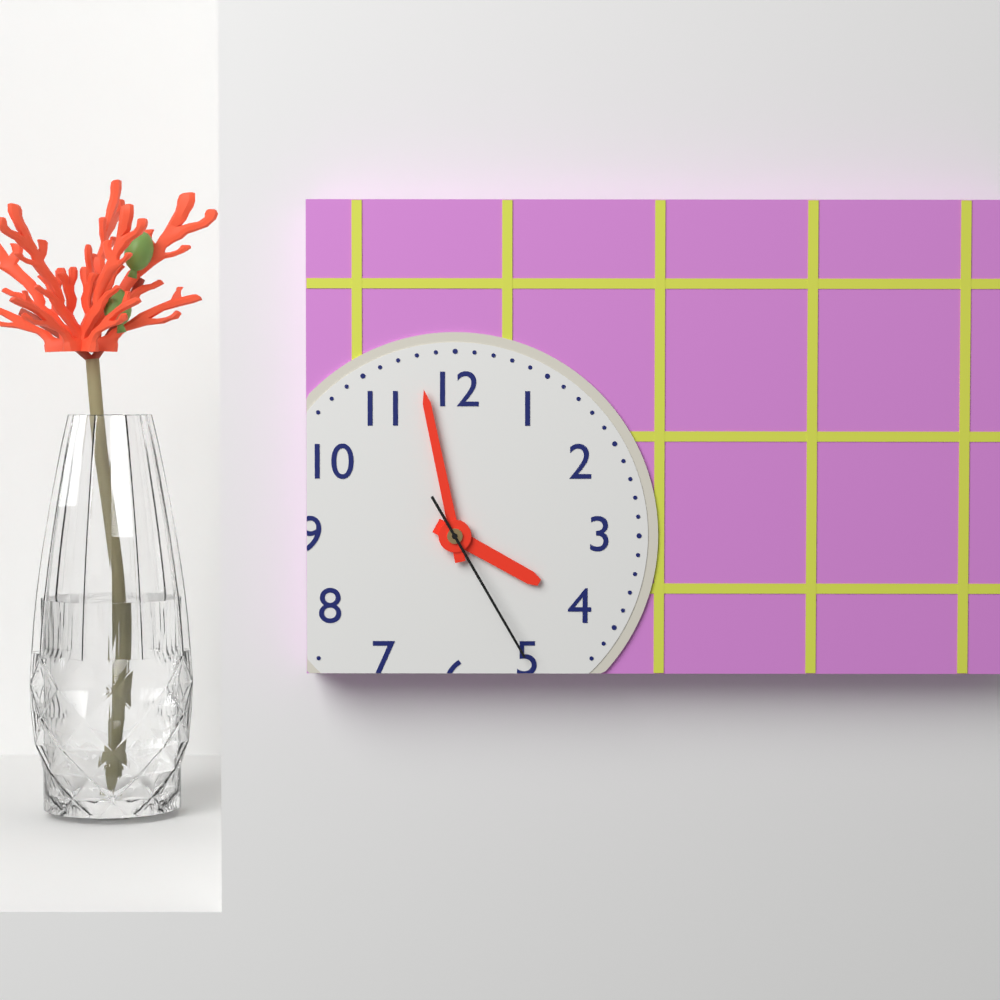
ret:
3,58,25
